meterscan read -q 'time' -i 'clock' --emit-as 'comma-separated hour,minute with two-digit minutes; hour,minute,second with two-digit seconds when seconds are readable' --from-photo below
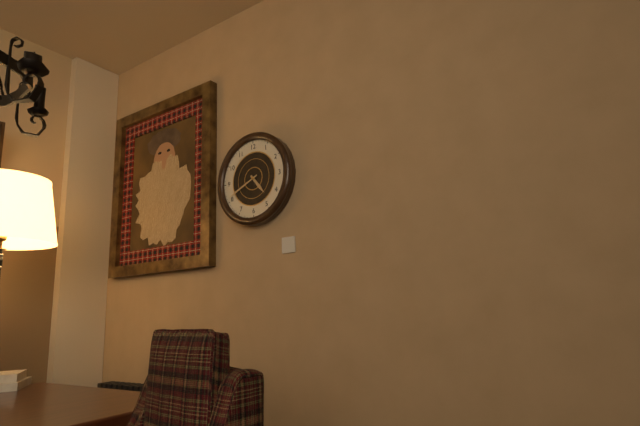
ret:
4,41
